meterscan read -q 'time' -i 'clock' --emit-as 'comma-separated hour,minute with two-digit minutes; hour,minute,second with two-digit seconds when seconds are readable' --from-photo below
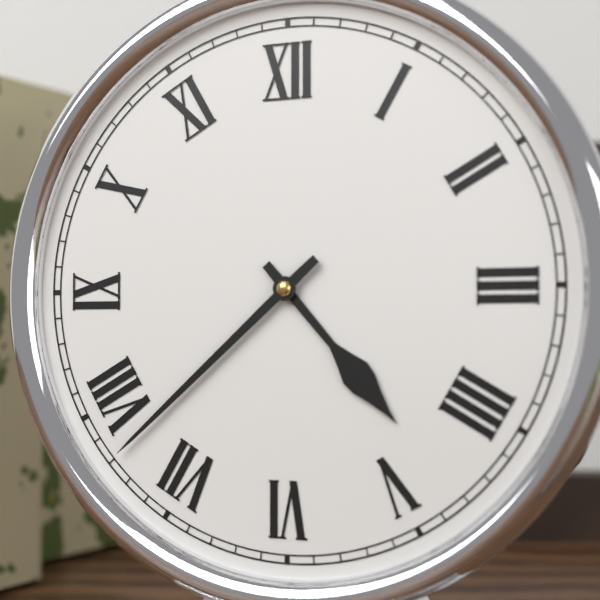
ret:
4,38
